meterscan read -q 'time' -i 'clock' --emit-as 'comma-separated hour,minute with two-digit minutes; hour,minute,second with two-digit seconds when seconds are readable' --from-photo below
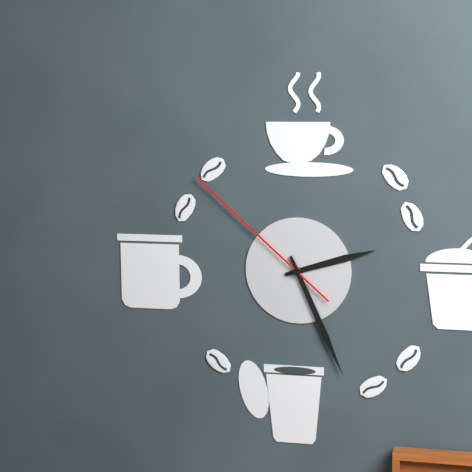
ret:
2,26,52
